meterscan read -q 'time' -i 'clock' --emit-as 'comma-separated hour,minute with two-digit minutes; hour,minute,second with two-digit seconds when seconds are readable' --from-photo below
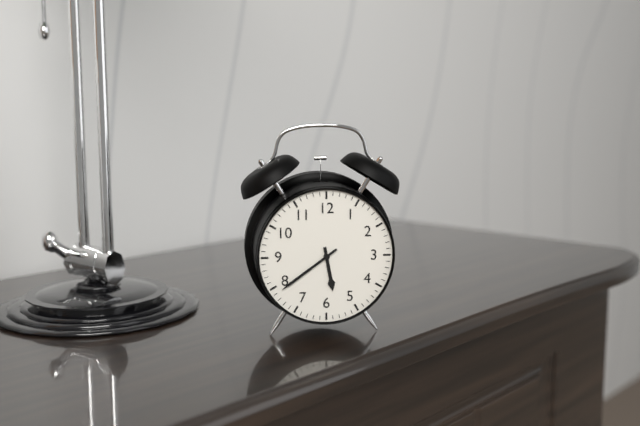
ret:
5,39
